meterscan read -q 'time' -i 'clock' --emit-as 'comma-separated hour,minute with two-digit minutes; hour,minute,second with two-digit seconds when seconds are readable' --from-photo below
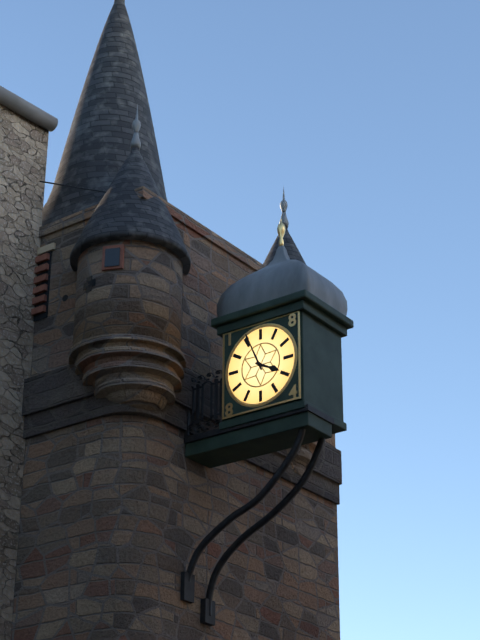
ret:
3,56
